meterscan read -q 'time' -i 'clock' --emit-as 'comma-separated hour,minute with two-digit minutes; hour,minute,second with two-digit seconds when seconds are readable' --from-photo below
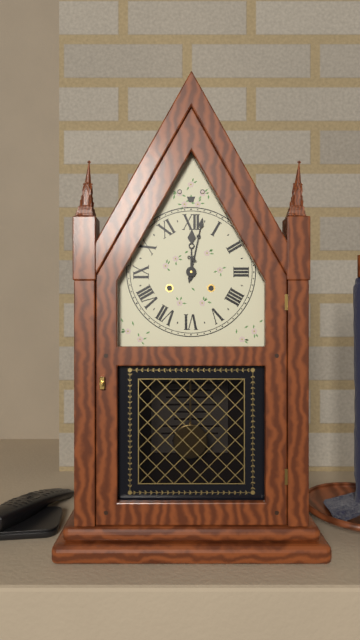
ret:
12,02
